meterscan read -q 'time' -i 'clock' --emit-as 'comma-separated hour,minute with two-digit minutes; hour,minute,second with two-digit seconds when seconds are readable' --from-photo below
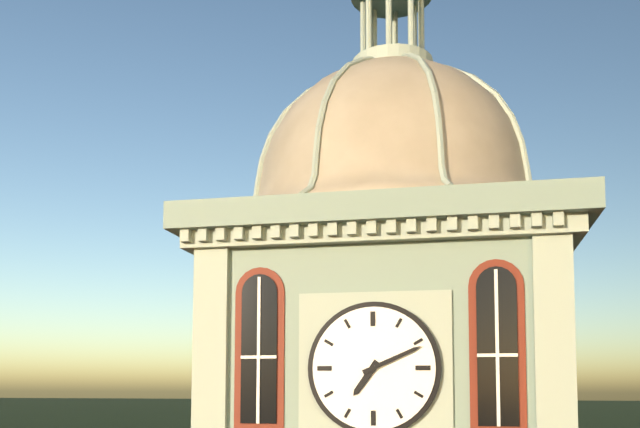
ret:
7,11
